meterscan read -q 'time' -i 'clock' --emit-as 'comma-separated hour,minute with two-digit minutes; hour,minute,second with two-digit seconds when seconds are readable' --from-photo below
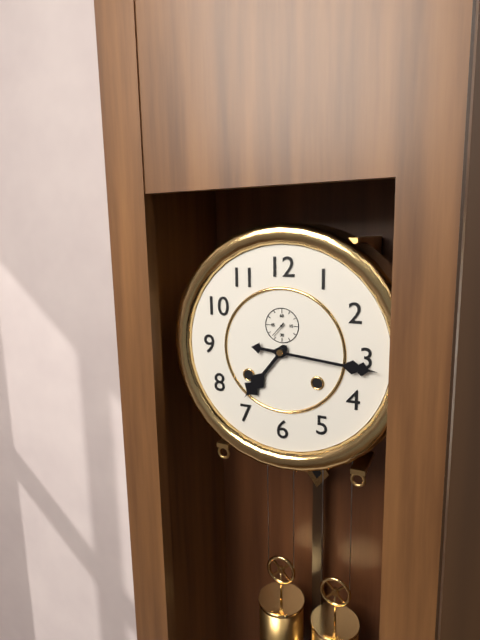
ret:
7,16
